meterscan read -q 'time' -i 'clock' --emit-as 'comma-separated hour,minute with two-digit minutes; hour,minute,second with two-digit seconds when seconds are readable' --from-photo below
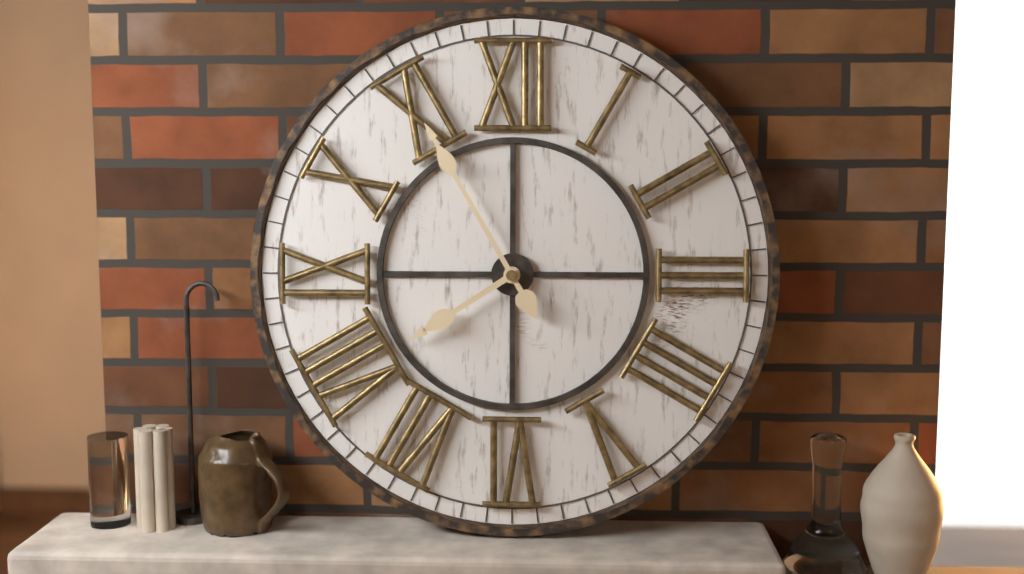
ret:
7,55
